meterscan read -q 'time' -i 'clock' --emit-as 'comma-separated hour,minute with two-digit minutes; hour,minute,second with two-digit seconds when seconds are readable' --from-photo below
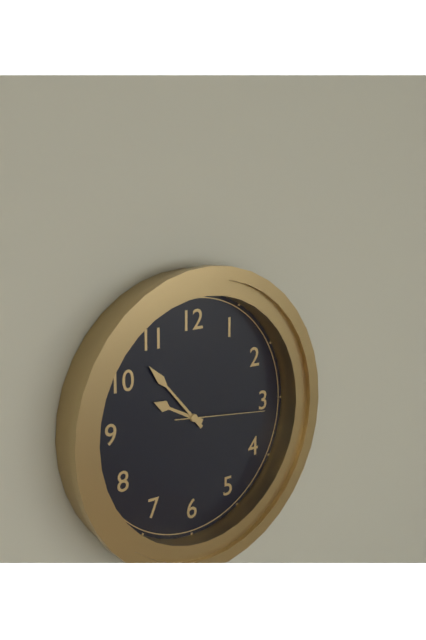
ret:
9,53,16
